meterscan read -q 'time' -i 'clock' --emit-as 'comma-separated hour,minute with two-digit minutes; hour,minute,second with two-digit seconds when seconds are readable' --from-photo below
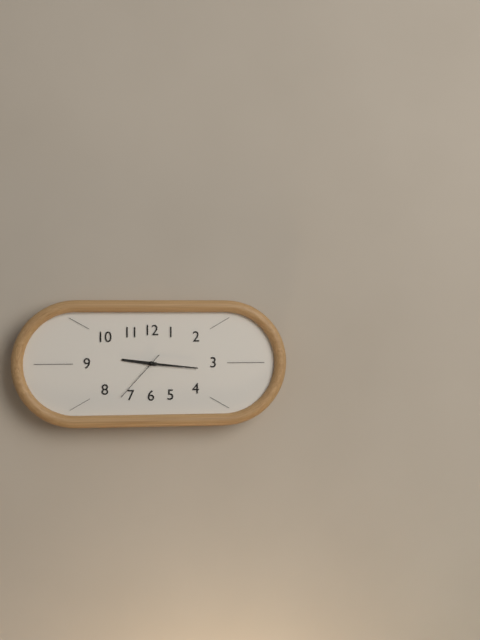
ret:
9,16,37
